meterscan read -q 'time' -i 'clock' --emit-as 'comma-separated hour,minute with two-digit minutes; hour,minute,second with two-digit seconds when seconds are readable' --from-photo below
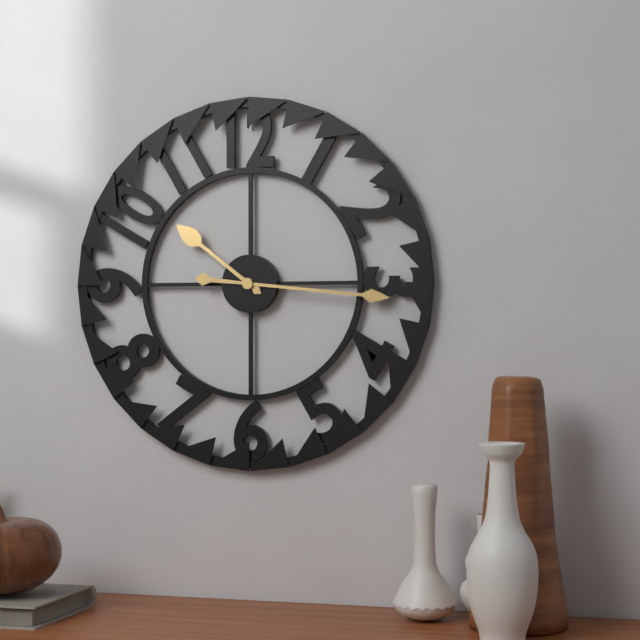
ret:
10,16
